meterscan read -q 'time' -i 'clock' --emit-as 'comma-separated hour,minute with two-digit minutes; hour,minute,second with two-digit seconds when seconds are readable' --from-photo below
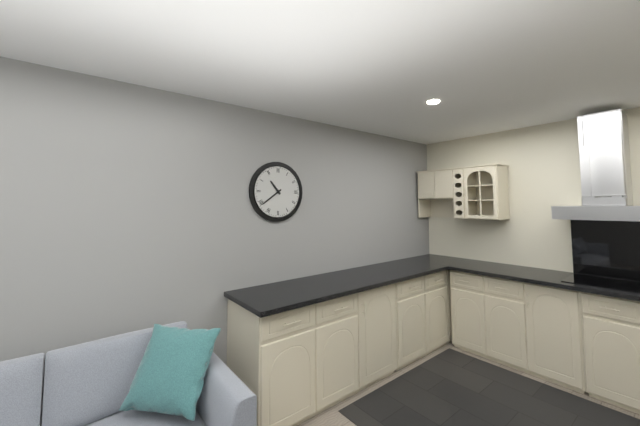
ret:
10,39
